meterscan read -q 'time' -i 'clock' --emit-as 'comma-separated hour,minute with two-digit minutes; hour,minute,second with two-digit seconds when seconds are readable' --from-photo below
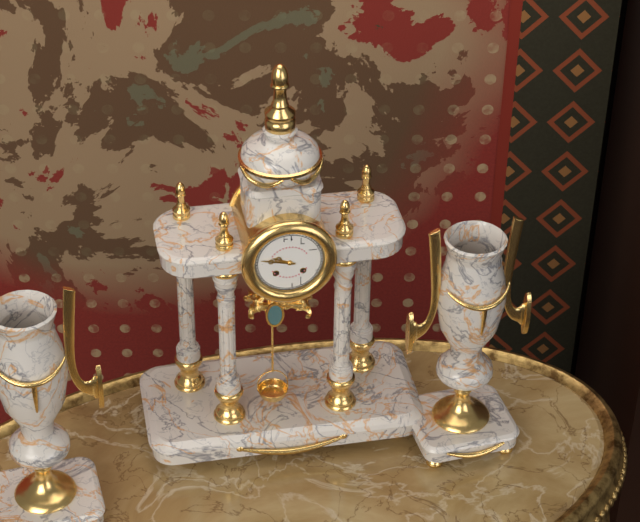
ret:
9,47
